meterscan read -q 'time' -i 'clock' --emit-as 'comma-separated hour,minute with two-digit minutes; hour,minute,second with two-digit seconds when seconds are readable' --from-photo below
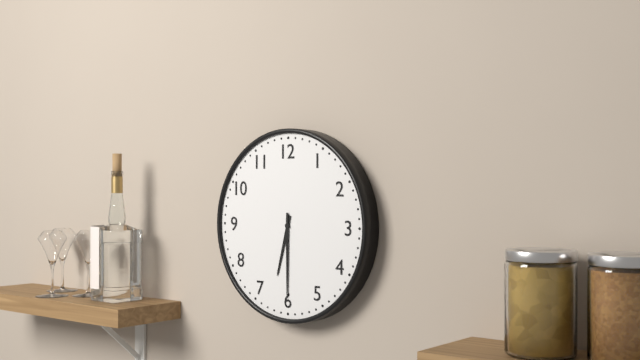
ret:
6,30
